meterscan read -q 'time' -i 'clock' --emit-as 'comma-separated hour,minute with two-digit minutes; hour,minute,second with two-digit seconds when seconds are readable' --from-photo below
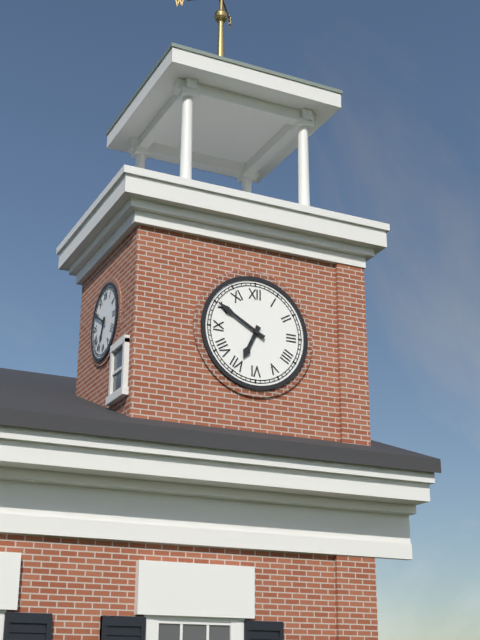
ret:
6,50
